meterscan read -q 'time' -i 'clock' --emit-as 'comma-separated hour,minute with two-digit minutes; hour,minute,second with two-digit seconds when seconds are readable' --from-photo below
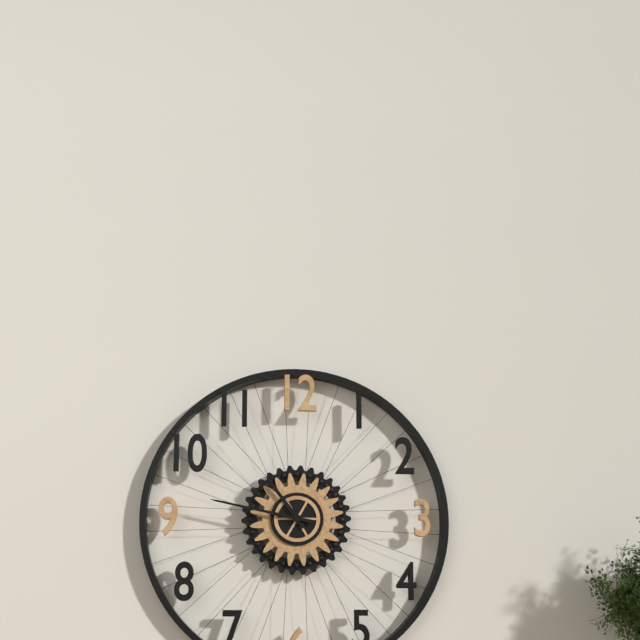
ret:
10,47
